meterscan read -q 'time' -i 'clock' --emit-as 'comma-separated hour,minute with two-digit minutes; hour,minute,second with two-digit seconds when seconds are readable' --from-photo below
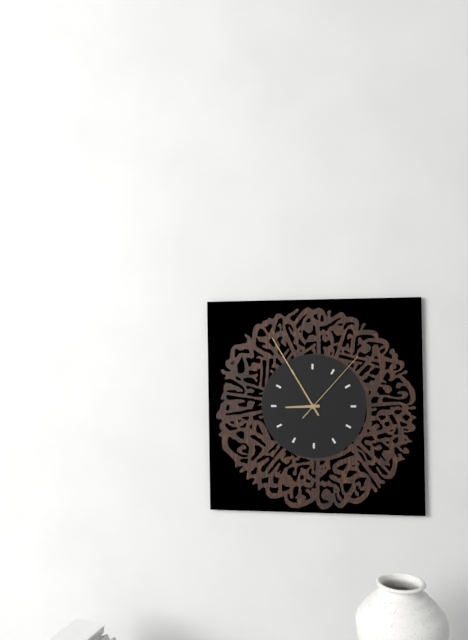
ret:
8,55,07
